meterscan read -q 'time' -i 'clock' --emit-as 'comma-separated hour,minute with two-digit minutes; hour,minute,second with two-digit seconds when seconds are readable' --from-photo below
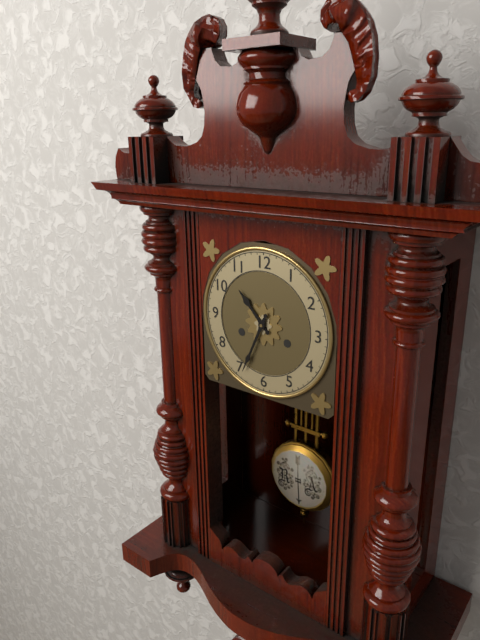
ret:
10,34
